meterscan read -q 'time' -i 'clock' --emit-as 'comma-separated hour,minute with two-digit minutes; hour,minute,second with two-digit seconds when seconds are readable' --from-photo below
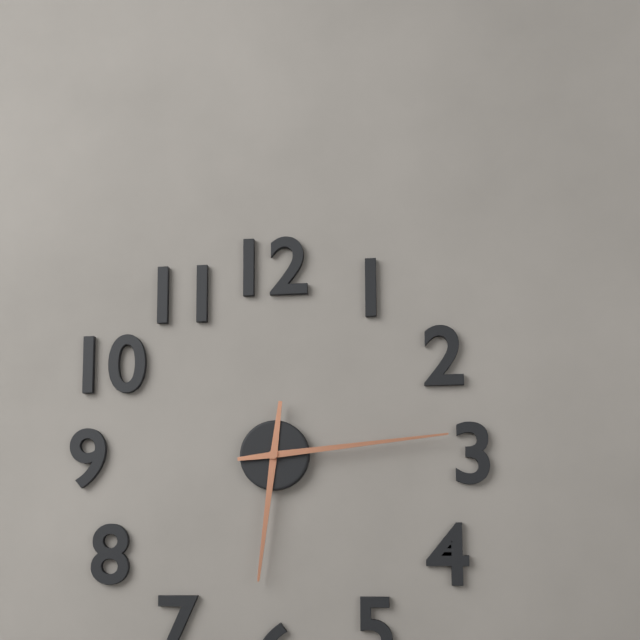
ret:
6,14
